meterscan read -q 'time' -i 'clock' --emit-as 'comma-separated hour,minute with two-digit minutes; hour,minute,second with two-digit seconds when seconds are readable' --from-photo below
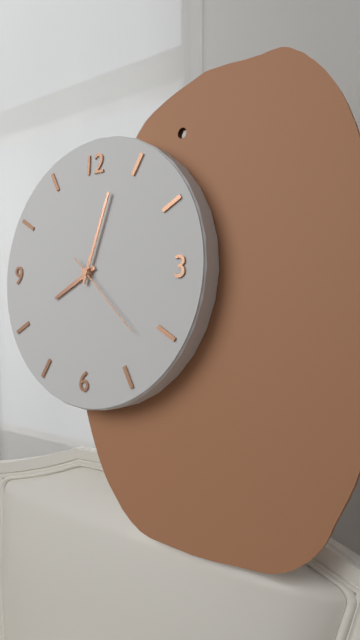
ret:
8,03,22
